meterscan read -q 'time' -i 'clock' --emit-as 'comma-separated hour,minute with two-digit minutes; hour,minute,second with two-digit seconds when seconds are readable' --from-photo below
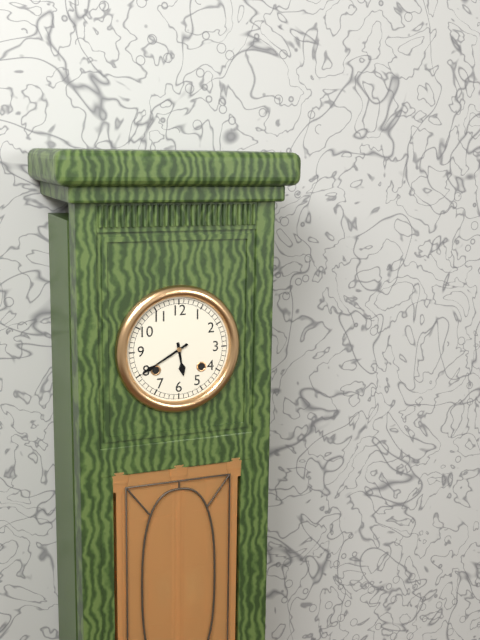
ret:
5,40
